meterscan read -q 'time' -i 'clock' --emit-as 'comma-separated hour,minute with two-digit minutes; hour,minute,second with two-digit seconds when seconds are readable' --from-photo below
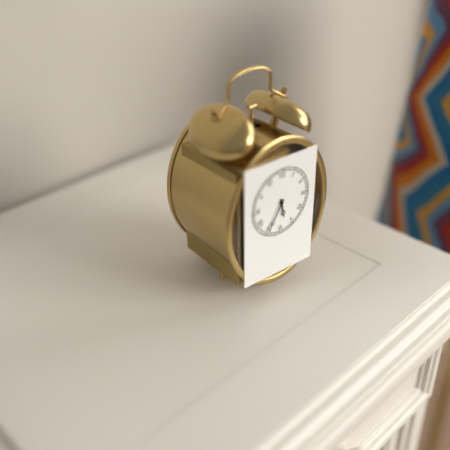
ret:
5,35
